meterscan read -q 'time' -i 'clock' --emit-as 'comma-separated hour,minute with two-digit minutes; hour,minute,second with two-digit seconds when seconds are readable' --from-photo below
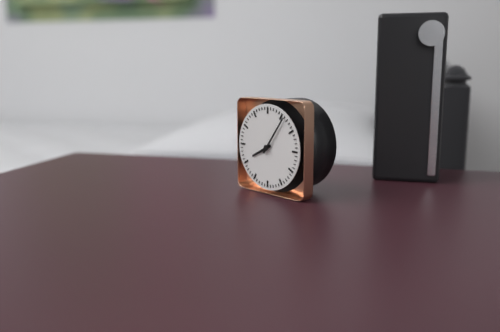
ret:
8,06
